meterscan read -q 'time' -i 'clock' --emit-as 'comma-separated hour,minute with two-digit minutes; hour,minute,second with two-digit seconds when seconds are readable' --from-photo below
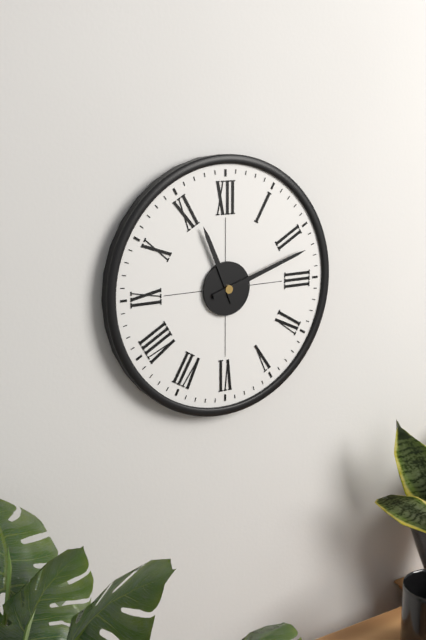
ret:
11,12
